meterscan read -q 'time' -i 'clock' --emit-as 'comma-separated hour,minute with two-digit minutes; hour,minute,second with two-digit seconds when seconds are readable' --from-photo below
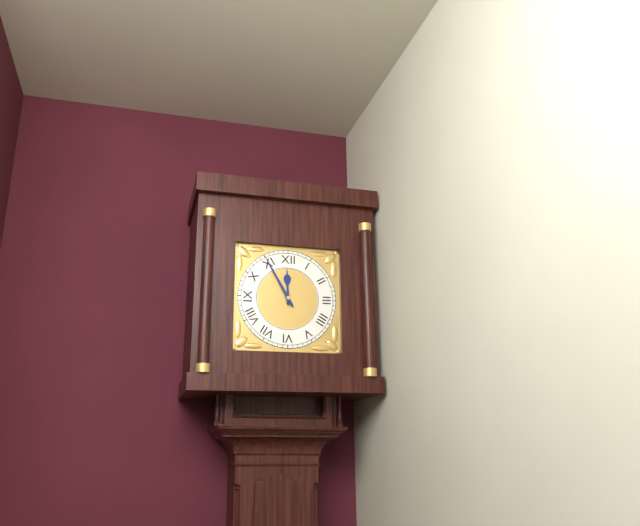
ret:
11,55
